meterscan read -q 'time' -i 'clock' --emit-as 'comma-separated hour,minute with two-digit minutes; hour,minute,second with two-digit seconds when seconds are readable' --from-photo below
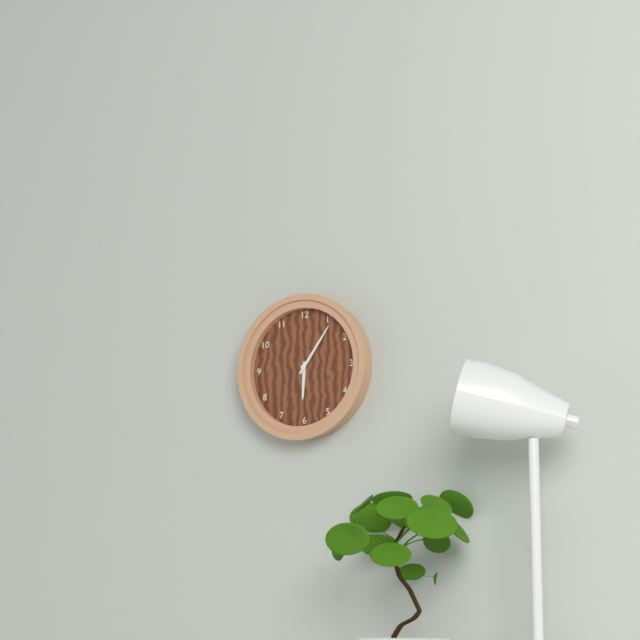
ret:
6,06
